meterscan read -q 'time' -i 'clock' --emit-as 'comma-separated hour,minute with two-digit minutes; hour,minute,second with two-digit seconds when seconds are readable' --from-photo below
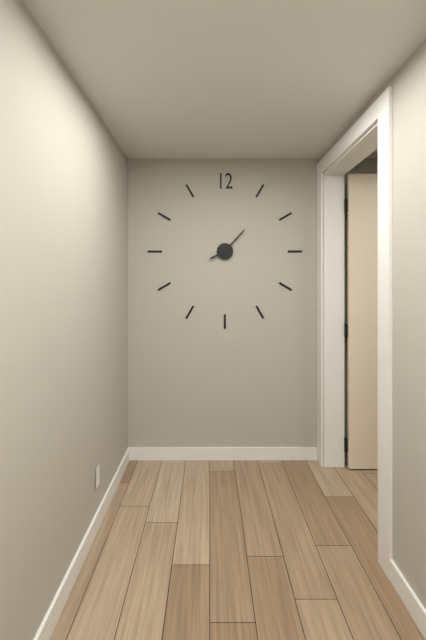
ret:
8,07
